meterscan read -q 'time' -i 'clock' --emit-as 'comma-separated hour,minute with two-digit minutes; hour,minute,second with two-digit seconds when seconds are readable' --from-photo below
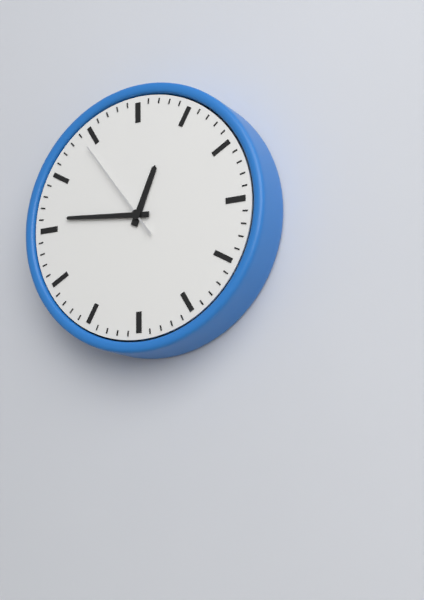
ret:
12,46,54
